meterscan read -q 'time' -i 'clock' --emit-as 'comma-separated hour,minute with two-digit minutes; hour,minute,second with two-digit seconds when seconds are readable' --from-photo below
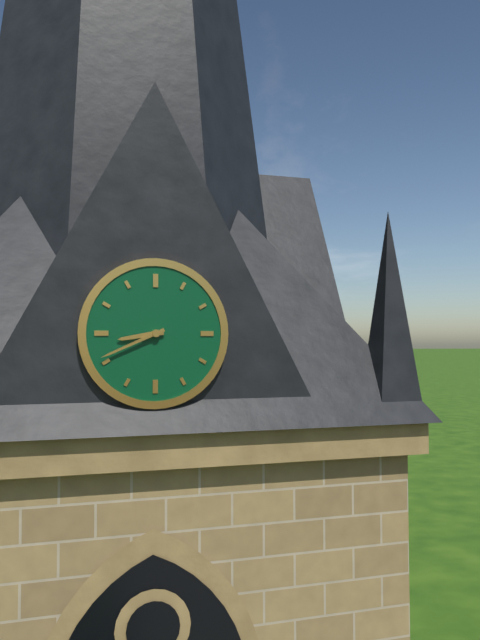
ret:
8,41
